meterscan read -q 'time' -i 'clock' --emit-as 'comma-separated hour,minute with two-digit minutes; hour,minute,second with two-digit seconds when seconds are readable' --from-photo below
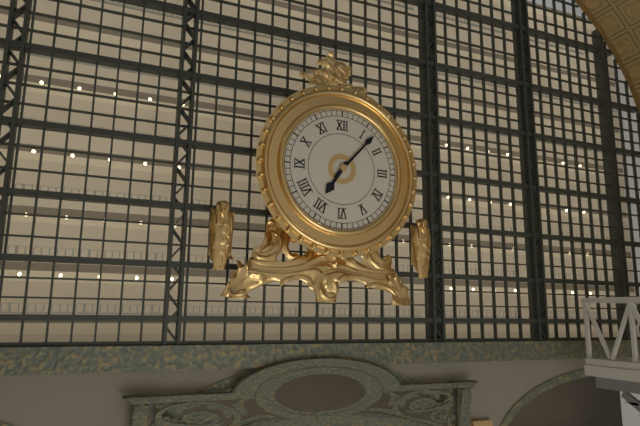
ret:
7,07
